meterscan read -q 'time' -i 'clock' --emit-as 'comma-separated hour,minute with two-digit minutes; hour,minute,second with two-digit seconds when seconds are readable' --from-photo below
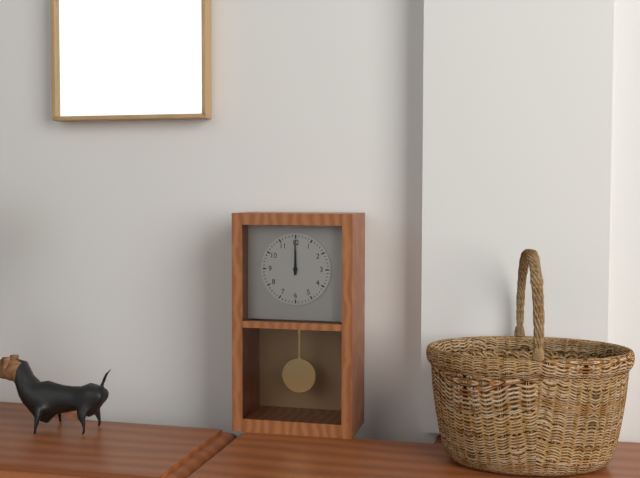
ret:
12,00
